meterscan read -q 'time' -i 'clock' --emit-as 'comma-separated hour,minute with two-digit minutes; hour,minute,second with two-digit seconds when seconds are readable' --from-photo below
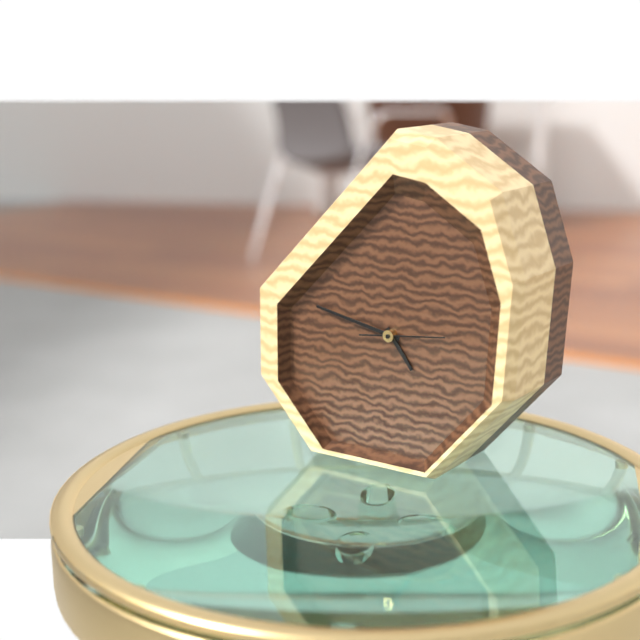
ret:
4,47,14
